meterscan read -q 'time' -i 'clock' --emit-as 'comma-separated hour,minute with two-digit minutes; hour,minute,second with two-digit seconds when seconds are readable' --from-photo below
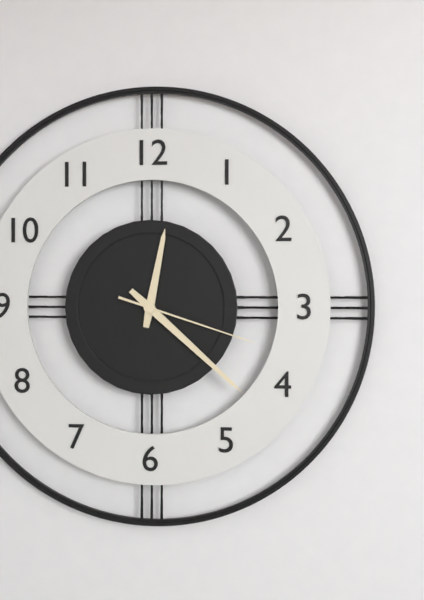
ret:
12,22,18
